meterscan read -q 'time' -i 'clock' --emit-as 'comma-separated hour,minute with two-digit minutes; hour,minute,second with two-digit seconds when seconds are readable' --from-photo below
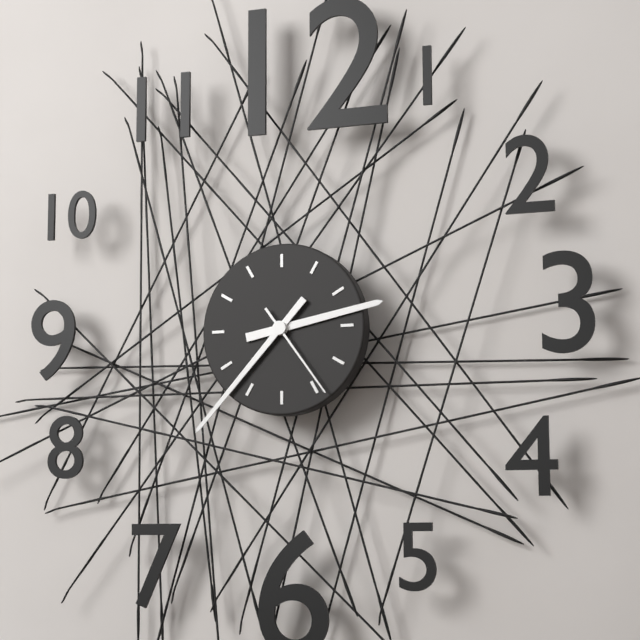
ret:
2,37,24
